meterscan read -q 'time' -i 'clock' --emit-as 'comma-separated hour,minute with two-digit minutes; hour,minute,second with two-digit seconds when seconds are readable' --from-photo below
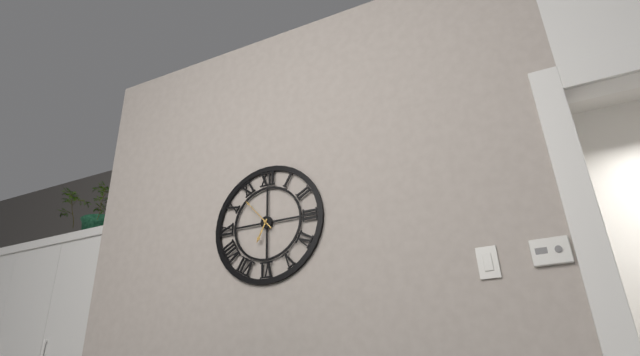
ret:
6,53
